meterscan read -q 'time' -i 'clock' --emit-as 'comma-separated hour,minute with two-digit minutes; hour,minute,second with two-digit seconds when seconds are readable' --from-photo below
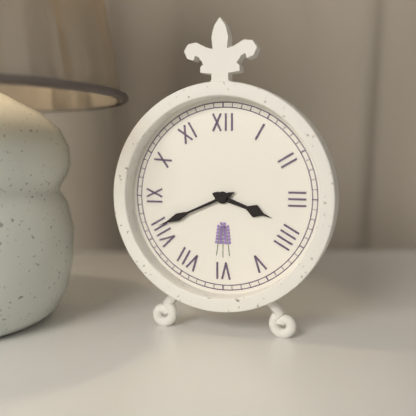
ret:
3,41
